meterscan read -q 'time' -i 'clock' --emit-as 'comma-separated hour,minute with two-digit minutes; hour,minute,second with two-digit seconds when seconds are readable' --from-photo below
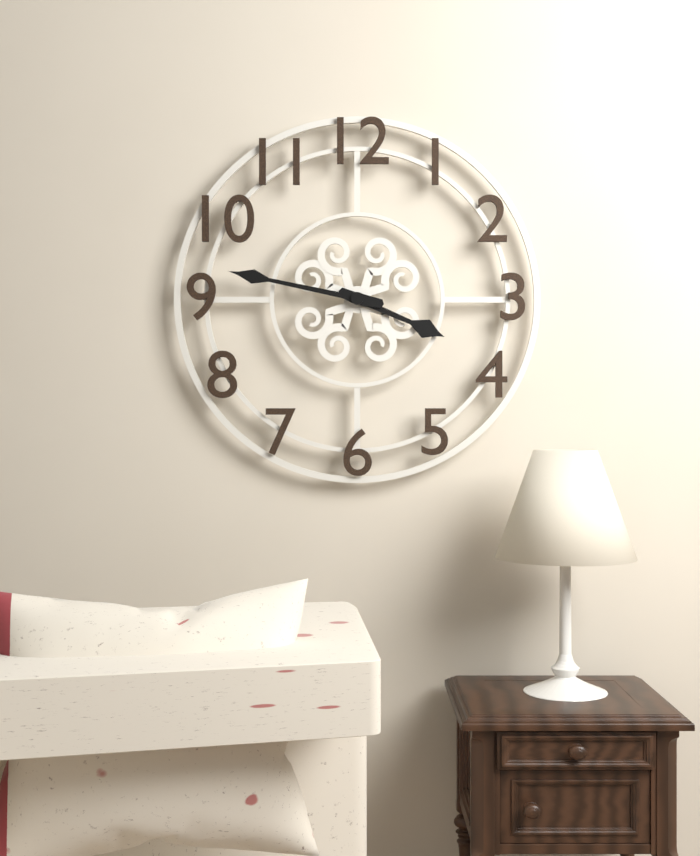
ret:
3,47
